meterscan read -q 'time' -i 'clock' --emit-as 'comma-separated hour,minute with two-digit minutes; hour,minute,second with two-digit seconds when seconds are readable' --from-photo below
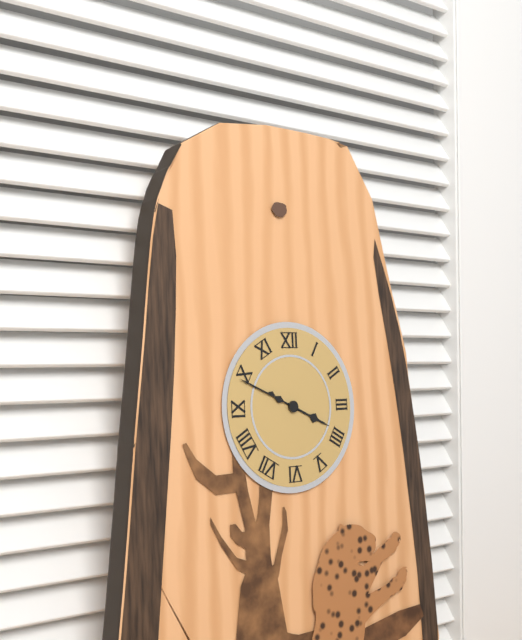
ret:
3,49
